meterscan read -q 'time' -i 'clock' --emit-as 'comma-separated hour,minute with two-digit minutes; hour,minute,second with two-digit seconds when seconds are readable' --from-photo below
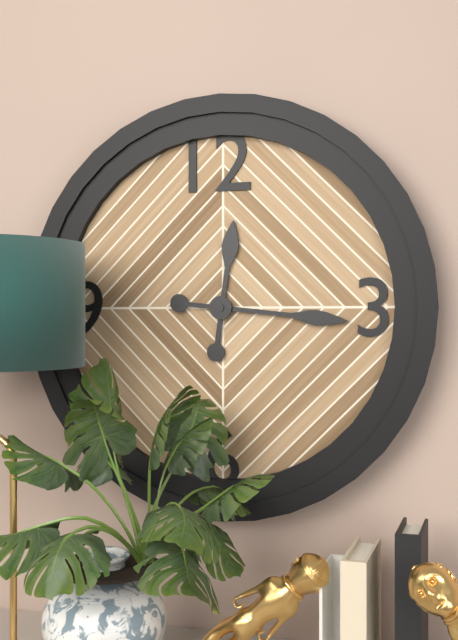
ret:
12,16
